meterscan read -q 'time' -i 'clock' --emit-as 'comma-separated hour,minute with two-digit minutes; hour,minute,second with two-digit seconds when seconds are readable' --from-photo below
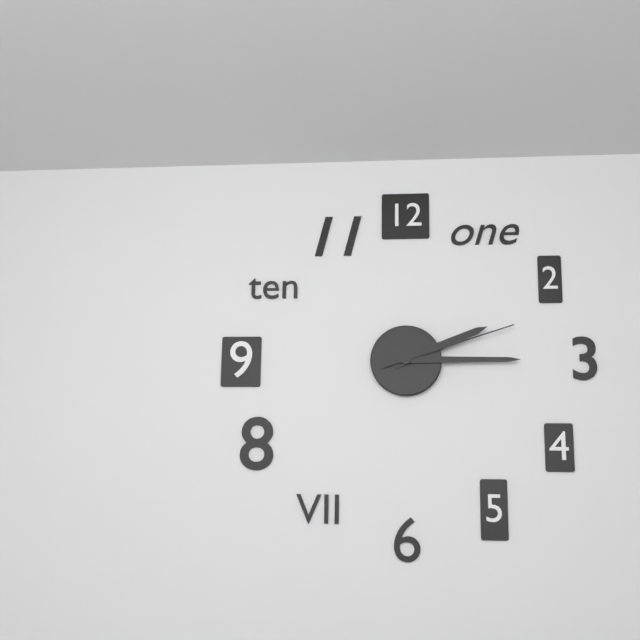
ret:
2,15,12
